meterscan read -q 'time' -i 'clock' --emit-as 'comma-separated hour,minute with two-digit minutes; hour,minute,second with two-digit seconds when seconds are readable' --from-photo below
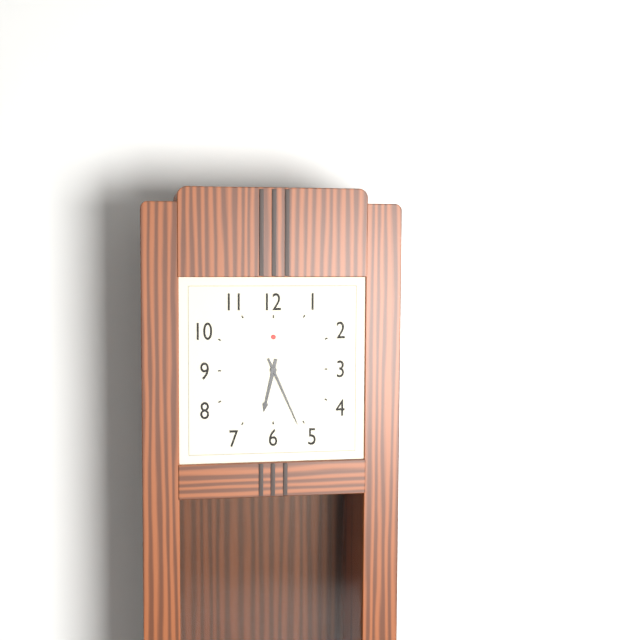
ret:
6,26
